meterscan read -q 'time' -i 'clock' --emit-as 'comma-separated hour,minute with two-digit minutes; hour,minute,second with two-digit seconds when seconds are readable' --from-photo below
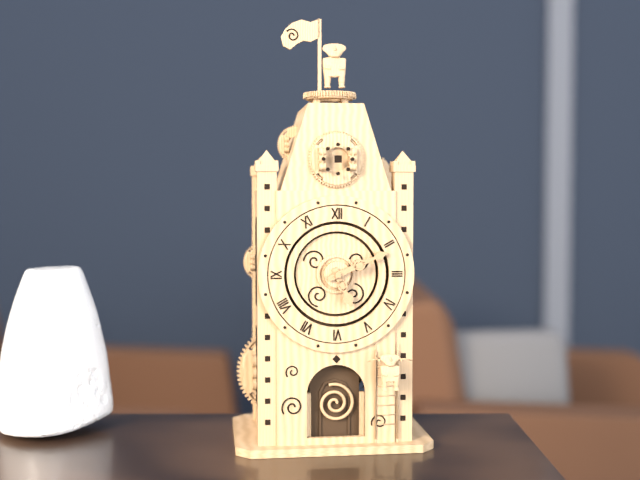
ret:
5,11
